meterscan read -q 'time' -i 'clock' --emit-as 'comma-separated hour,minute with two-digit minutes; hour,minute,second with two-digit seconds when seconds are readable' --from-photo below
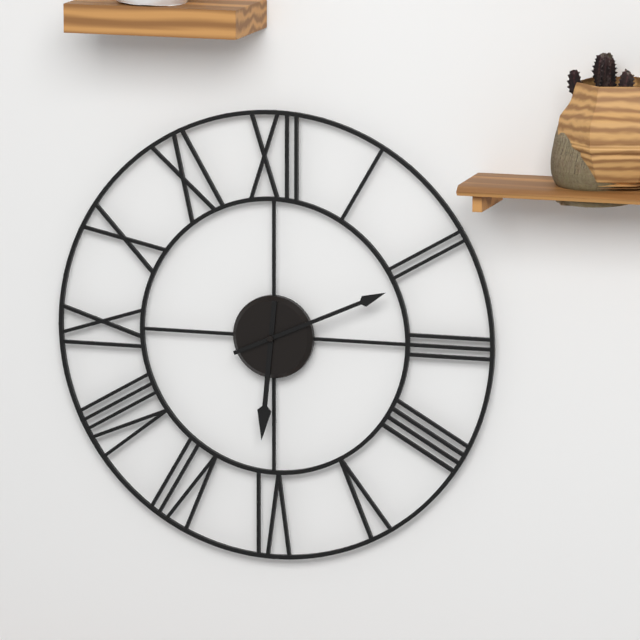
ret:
6,11
